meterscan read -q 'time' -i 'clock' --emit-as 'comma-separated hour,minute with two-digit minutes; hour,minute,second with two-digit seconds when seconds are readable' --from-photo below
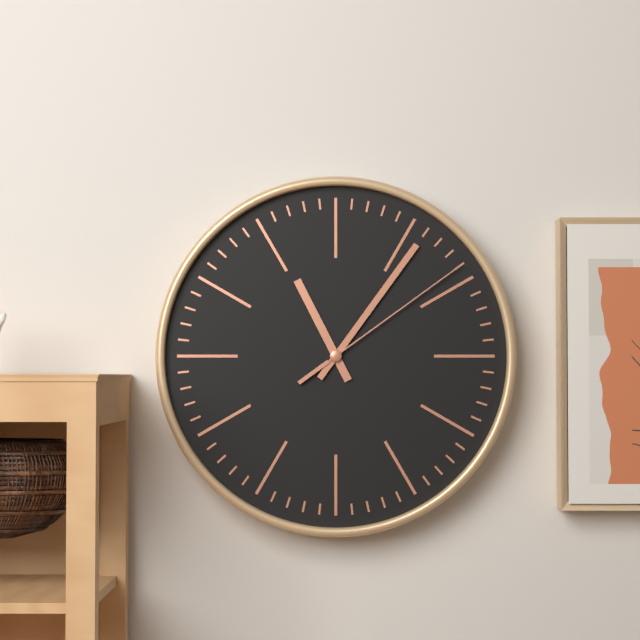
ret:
11,06,09
